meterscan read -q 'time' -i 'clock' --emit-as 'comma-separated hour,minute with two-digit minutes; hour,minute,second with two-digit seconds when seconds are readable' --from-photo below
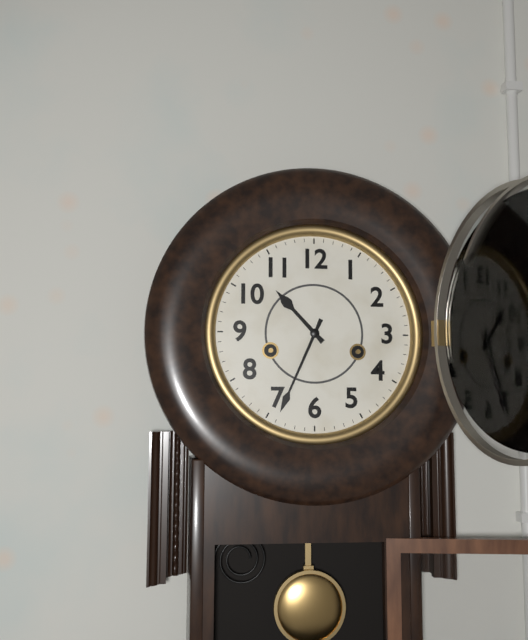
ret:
10,34
